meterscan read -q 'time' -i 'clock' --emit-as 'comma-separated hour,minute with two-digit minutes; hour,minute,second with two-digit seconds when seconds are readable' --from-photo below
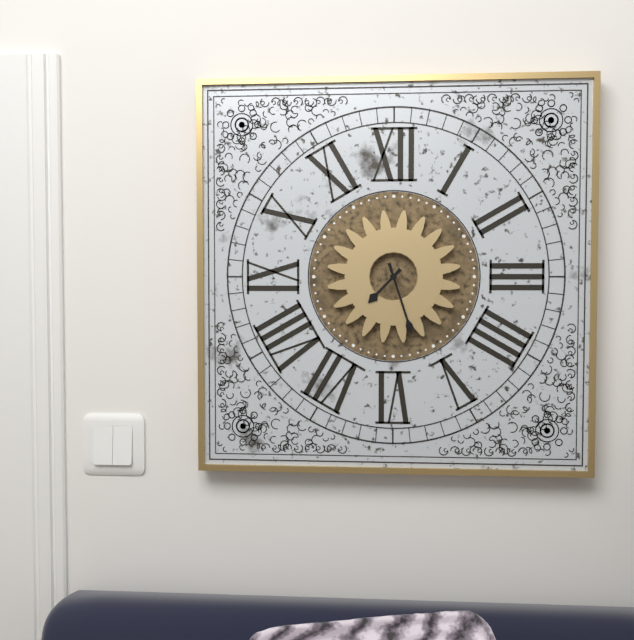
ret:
7,27
